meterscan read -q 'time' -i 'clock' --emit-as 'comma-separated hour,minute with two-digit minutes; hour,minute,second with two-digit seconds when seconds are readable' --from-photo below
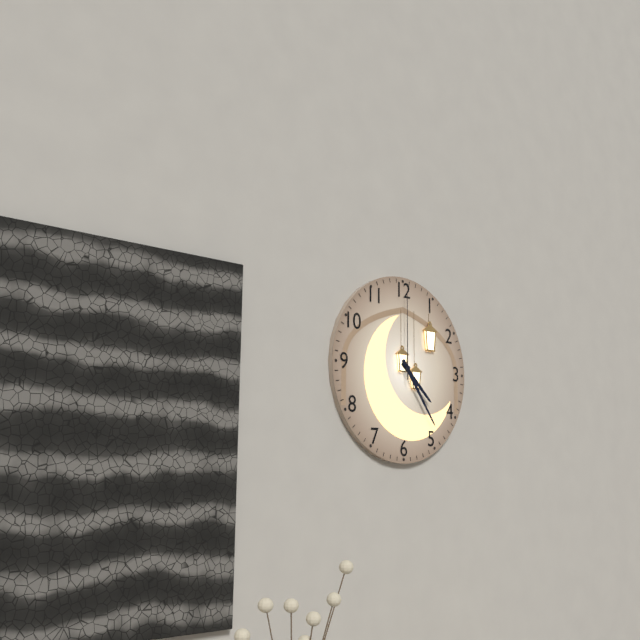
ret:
4,24,00
